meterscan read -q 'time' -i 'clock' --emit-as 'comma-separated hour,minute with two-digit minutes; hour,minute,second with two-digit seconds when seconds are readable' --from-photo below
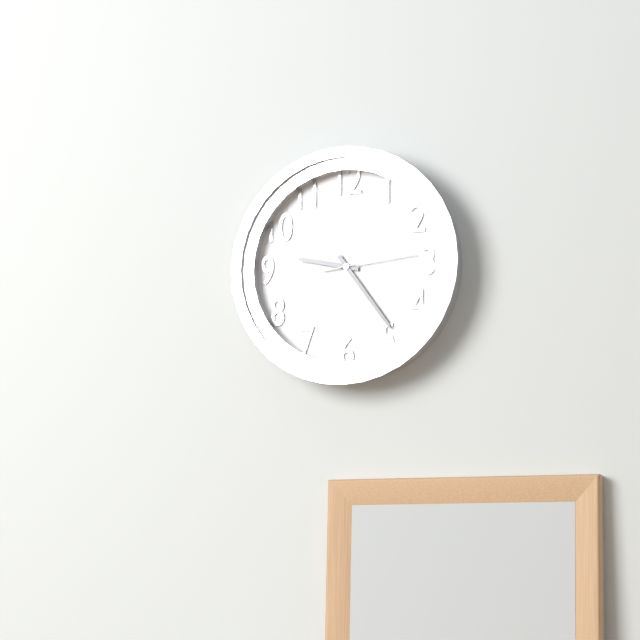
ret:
9,24,14
